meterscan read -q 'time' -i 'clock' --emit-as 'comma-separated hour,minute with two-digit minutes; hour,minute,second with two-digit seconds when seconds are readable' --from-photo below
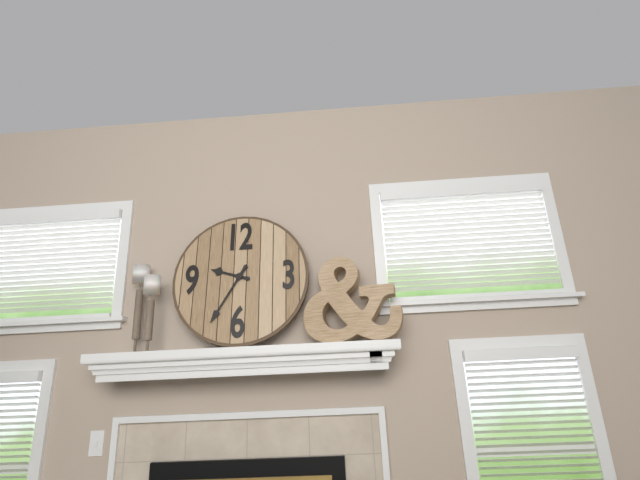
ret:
9,35
